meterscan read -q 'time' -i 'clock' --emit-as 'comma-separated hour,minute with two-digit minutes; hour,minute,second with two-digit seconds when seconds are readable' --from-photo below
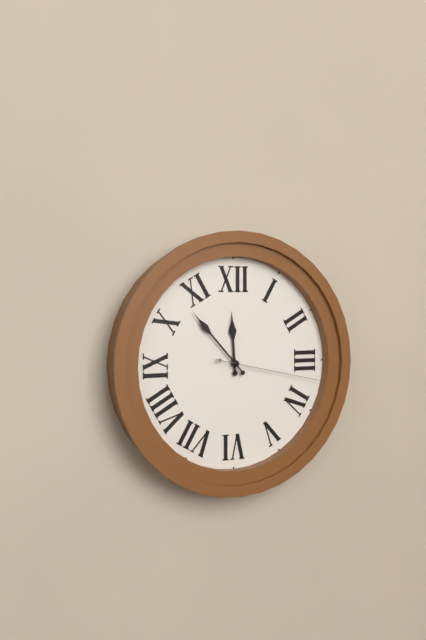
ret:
11,53,17
